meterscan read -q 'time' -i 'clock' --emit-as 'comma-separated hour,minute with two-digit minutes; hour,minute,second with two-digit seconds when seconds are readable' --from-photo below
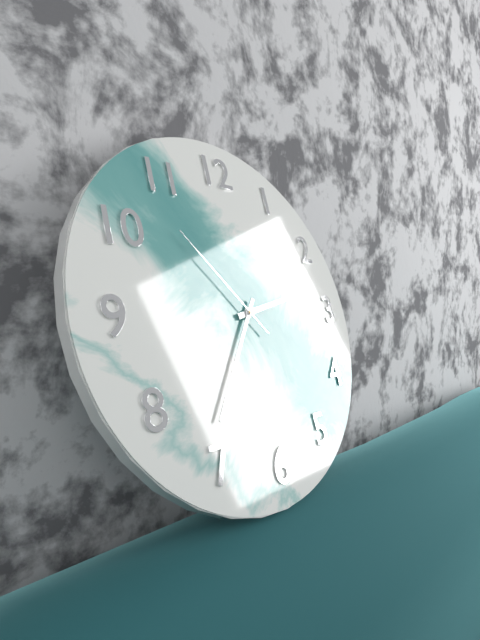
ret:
2,36,53
